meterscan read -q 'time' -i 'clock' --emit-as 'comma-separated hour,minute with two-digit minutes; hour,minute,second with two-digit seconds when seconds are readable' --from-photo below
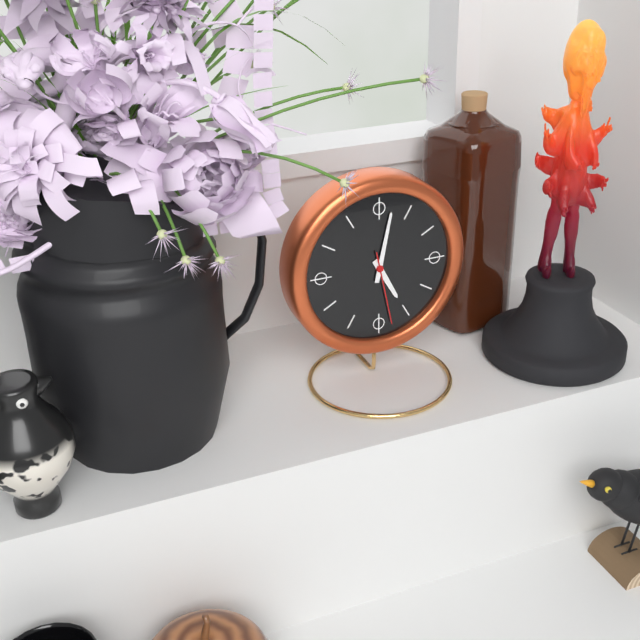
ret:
5,02,28
